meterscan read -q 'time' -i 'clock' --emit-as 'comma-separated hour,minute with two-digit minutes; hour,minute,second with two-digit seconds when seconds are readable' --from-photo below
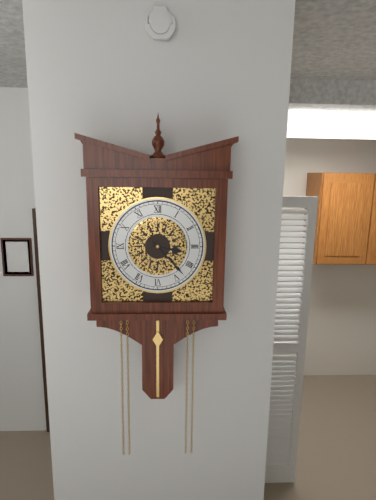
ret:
3,23
